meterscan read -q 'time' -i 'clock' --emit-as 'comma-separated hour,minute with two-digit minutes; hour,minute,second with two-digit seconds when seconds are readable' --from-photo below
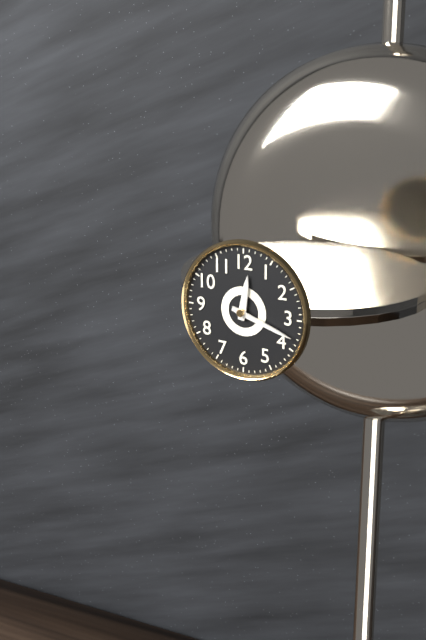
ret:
12,18
